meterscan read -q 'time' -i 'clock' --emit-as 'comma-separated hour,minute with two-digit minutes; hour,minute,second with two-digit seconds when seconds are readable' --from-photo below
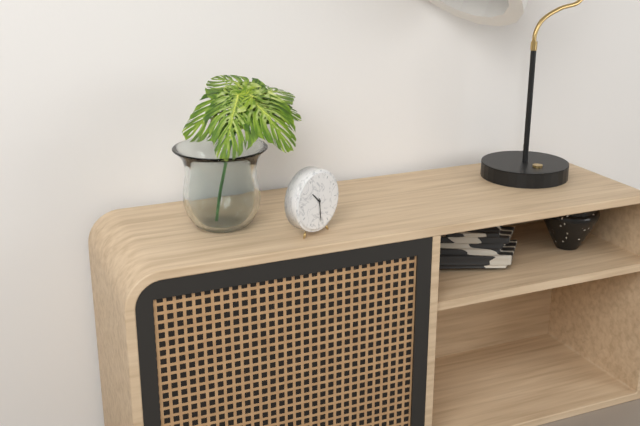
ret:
10,29
